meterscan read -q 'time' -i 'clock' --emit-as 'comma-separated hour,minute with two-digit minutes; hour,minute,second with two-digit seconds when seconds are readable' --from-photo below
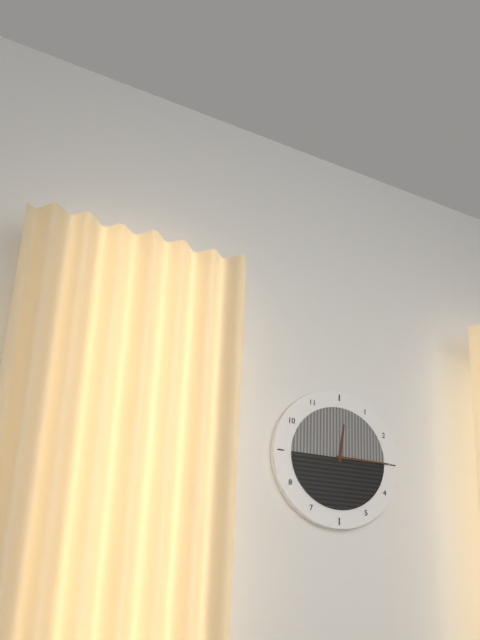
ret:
12,15
